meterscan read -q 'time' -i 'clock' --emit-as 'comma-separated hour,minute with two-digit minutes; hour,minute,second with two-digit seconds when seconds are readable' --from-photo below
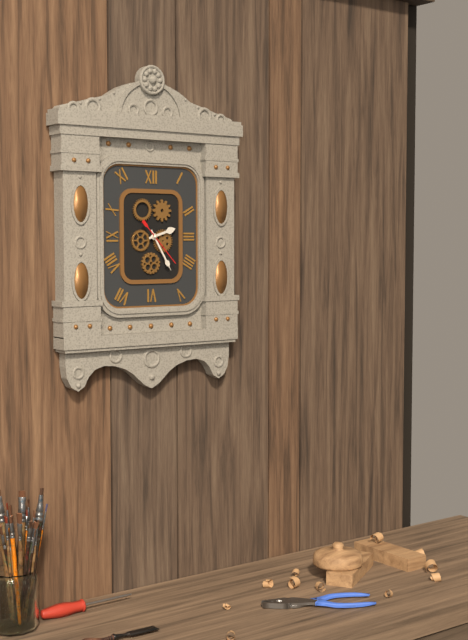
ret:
2,25
